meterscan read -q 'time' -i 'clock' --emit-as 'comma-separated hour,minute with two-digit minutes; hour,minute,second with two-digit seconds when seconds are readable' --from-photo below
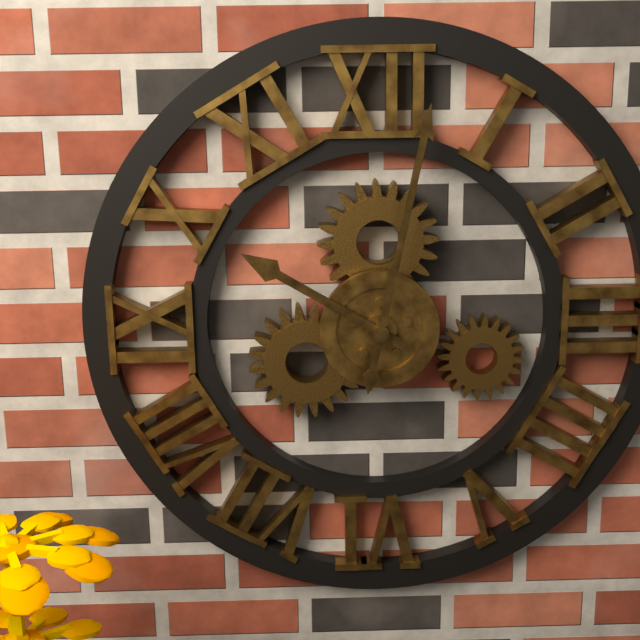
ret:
10,02
